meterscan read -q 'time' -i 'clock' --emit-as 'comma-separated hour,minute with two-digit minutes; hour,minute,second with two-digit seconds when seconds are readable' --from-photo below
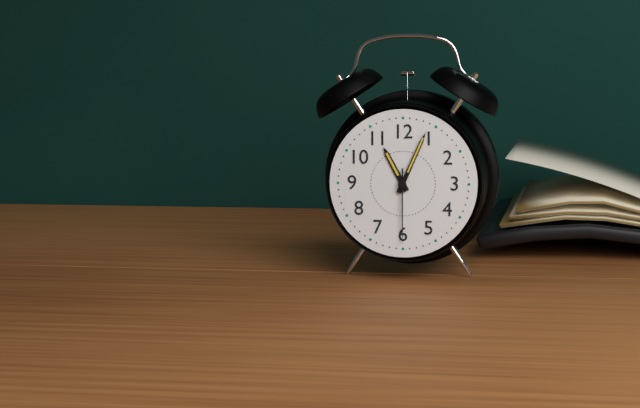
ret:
11,04,30
